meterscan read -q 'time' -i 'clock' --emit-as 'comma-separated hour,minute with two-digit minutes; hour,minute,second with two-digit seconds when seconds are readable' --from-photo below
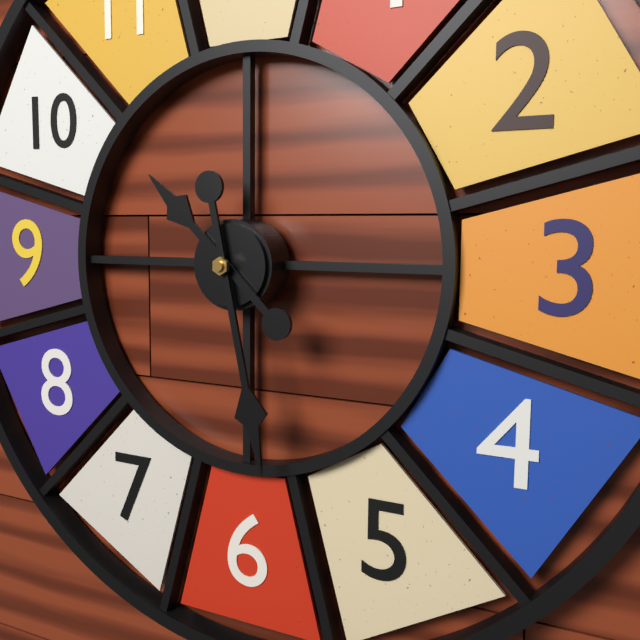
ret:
10,28
